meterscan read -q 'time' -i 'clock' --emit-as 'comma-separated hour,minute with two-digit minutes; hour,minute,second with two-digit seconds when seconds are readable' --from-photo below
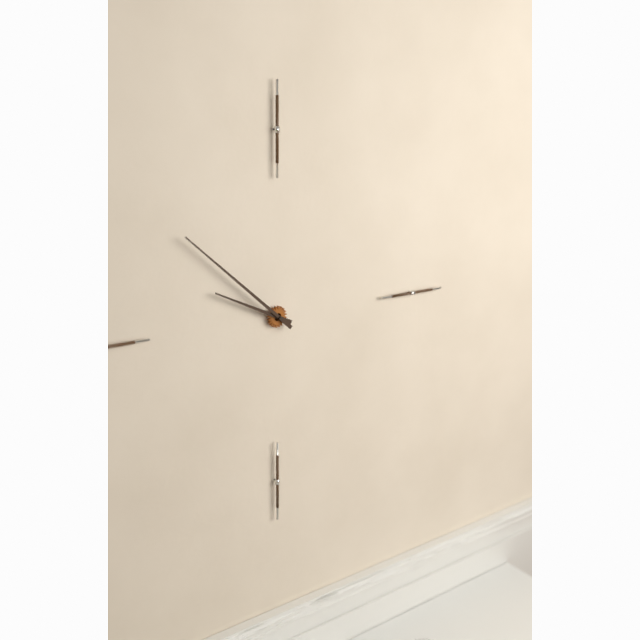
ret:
9,52
